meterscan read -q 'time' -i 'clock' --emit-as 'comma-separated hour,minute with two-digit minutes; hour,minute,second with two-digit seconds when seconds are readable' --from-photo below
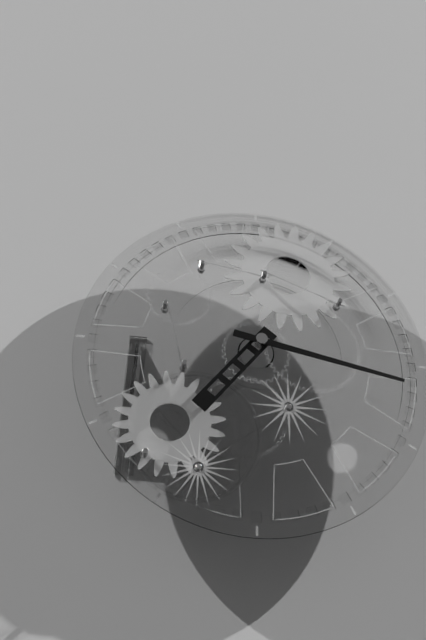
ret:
7,17
